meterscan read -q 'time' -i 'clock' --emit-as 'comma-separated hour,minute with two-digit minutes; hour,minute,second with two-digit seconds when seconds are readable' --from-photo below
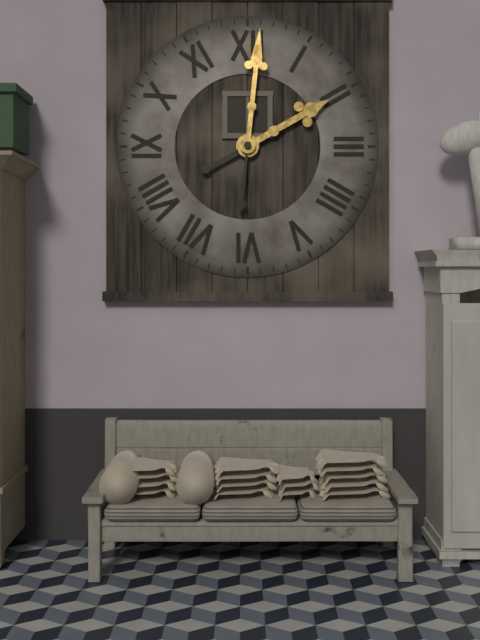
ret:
2,01
